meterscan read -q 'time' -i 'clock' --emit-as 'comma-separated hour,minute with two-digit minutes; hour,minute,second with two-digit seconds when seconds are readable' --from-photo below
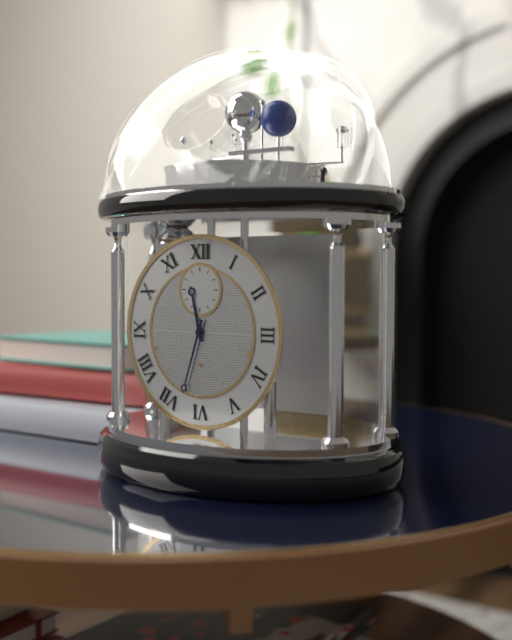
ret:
11,33
